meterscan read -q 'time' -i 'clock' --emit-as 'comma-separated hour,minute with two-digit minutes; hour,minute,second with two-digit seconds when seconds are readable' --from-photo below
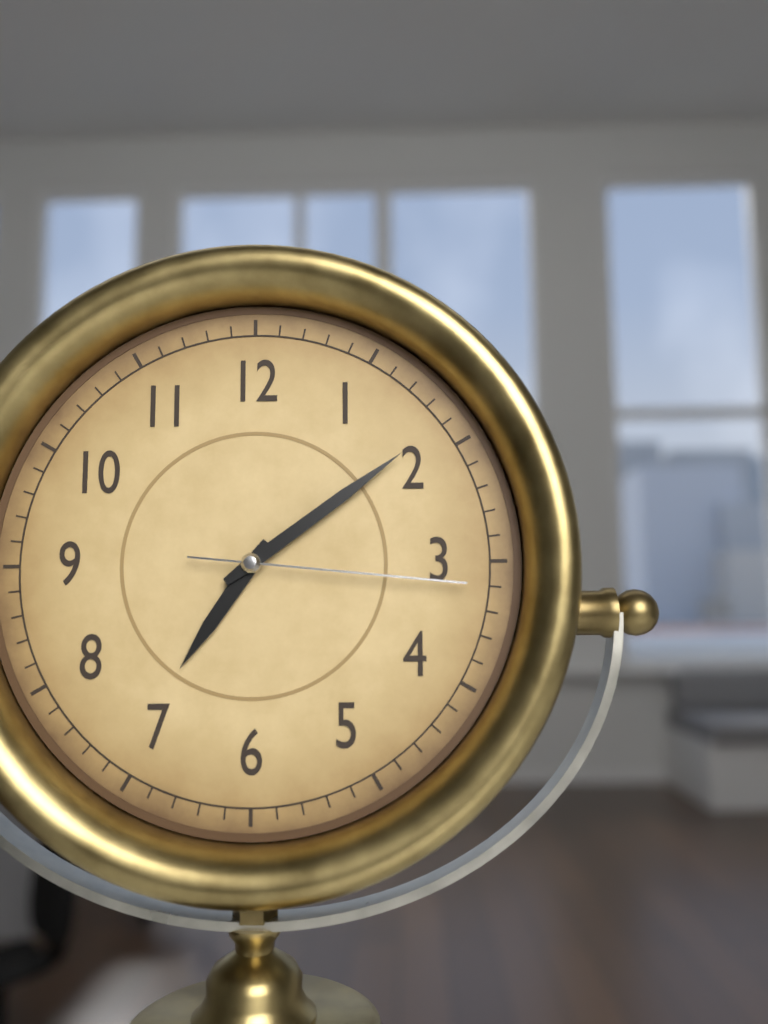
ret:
7,09,16
